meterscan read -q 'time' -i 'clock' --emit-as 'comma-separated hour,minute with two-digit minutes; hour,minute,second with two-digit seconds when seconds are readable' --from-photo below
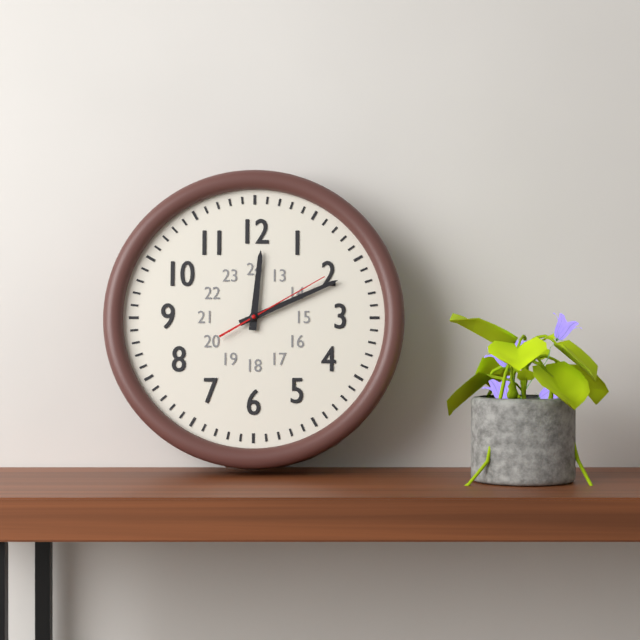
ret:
12,11,10
